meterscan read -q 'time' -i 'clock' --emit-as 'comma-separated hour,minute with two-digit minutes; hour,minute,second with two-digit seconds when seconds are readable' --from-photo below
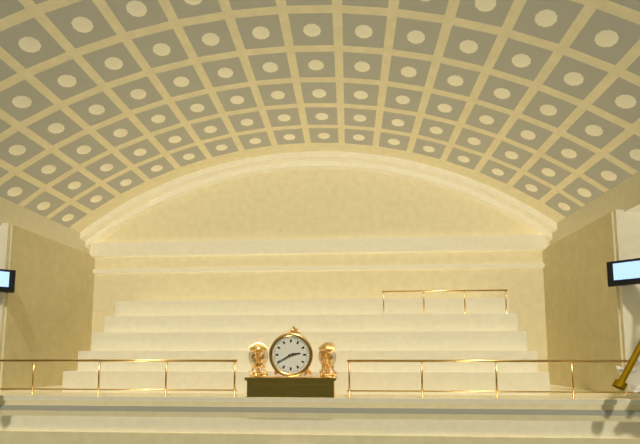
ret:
2,40
